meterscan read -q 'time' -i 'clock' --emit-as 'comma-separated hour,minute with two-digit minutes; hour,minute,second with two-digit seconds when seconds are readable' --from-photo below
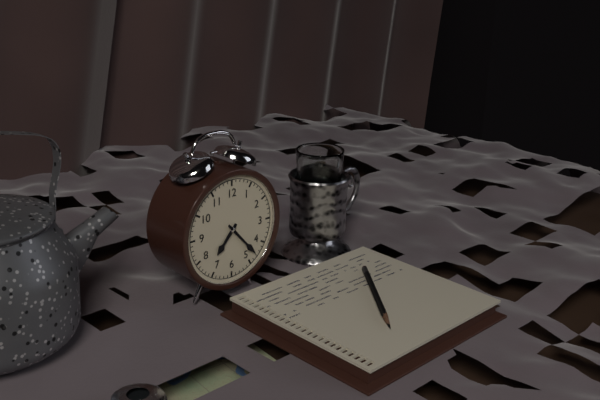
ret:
7,23
